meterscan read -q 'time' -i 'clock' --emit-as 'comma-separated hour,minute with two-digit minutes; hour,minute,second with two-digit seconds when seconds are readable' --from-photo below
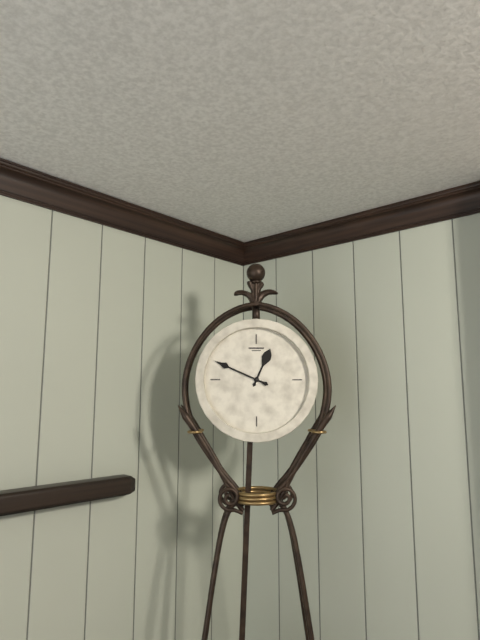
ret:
12,49
